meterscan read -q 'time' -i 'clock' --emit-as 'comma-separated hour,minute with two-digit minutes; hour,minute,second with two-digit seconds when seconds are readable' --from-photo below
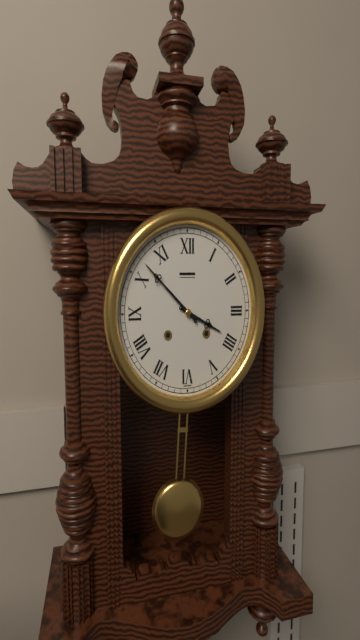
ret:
3,52
